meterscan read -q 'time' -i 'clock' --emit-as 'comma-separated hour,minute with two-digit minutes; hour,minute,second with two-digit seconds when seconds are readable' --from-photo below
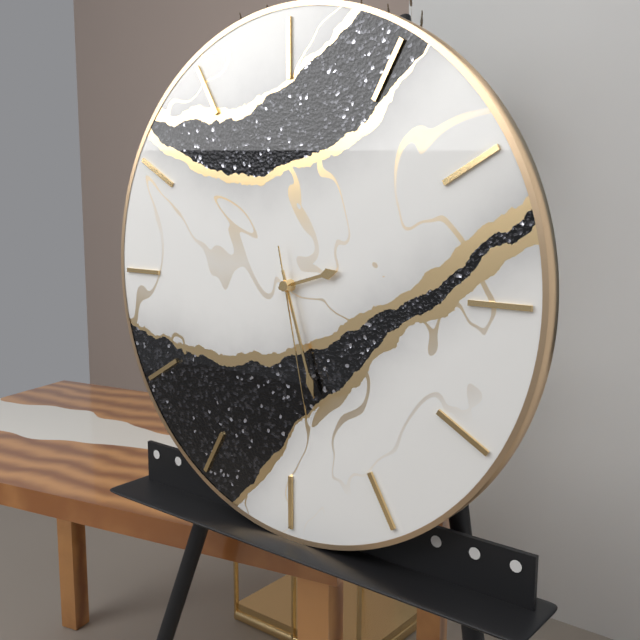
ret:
2,27,28
